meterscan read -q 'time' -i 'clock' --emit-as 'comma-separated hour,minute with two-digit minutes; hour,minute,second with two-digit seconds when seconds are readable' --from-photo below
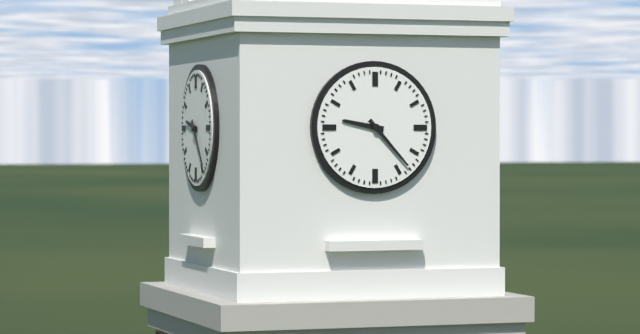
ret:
9,23
